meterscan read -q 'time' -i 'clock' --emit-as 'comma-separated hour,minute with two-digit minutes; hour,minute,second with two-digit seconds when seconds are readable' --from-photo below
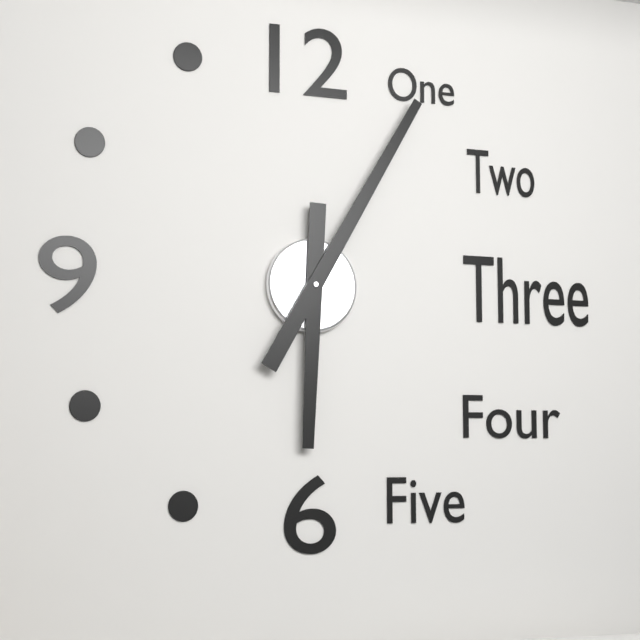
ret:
6,05
